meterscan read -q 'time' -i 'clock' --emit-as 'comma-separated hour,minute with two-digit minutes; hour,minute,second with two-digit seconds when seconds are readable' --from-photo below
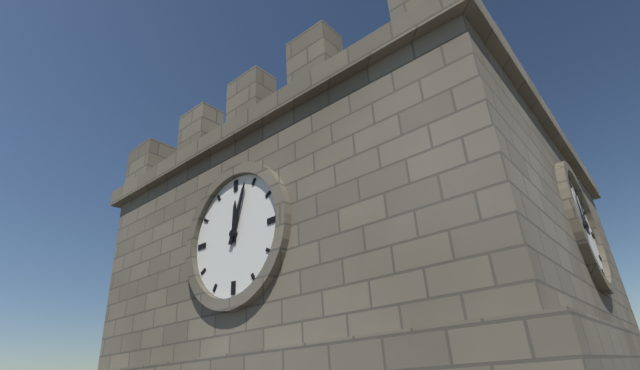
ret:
12,03
